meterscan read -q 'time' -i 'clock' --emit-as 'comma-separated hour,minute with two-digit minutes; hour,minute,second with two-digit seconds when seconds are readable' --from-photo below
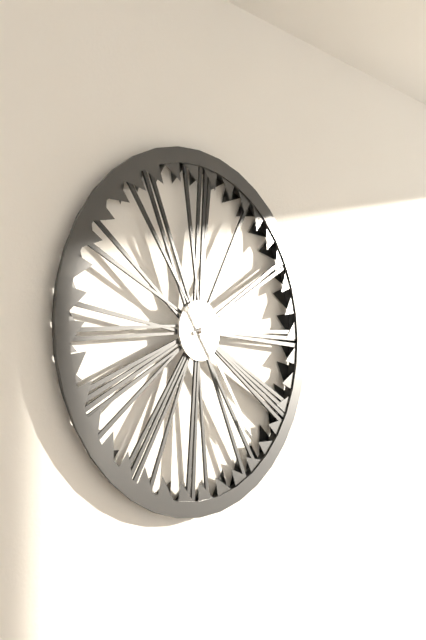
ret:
2,24
